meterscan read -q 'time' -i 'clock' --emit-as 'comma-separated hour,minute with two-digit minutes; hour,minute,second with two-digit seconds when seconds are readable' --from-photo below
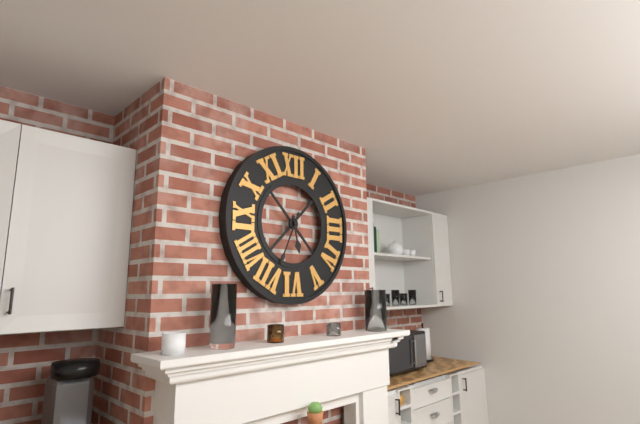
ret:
5,34
